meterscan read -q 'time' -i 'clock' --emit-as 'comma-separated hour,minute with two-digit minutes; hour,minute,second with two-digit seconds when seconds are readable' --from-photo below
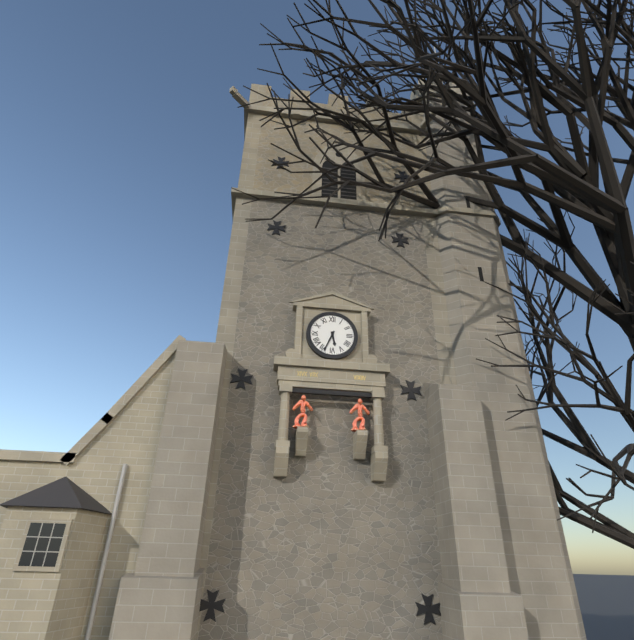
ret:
5,34
